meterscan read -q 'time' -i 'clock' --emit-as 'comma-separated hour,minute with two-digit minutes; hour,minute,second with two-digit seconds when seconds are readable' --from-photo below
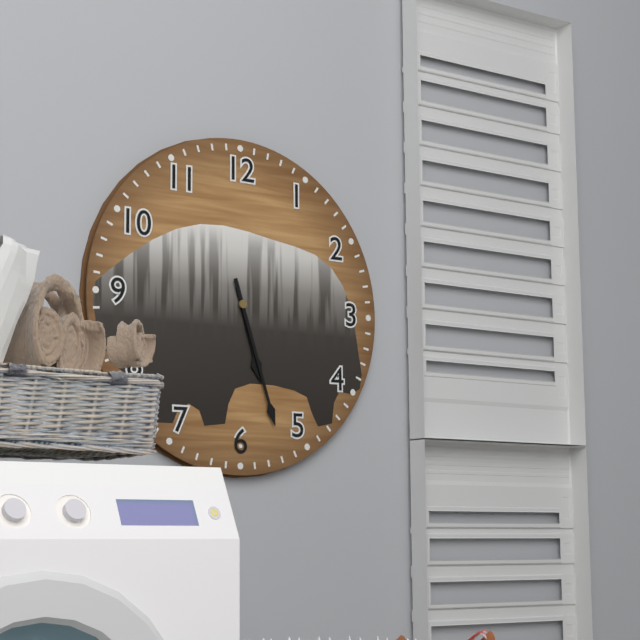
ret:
5,27
